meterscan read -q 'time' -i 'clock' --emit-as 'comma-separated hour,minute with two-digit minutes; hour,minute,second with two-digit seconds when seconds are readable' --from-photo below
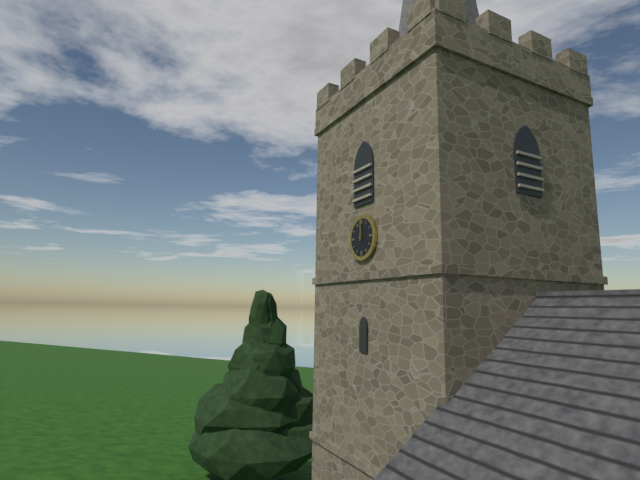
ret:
12,00
